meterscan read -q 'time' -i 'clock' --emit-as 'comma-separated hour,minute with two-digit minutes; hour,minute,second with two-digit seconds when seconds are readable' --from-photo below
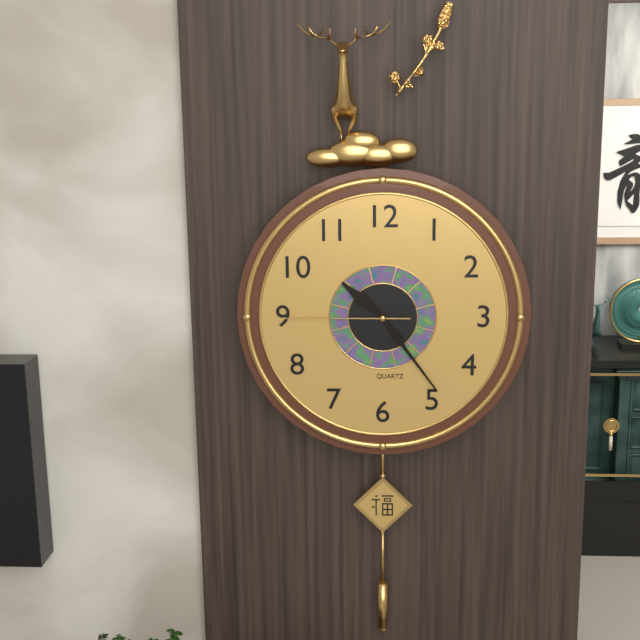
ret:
10,24,45
